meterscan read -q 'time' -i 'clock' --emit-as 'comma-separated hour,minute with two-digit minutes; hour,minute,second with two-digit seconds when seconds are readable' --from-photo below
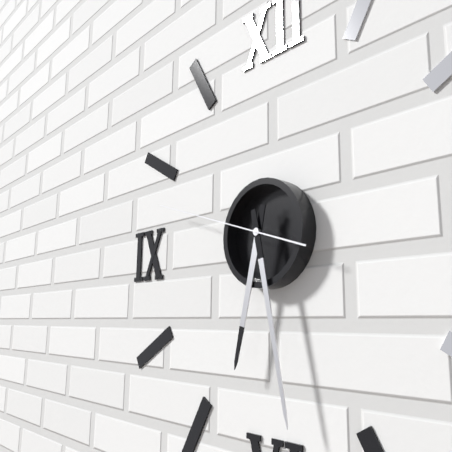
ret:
6,28,48
